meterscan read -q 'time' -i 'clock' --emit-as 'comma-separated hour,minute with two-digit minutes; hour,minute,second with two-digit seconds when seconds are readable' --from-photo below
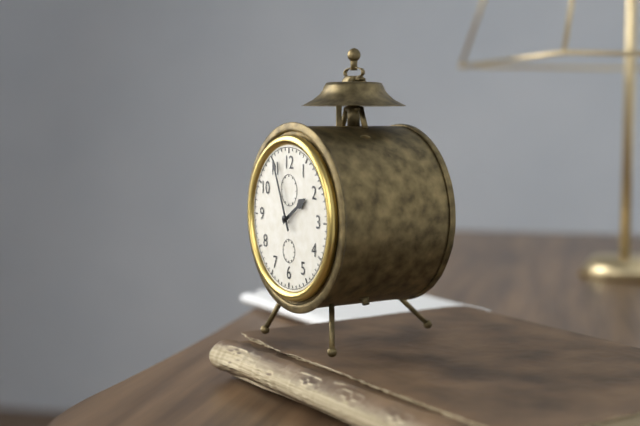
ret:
1,56
